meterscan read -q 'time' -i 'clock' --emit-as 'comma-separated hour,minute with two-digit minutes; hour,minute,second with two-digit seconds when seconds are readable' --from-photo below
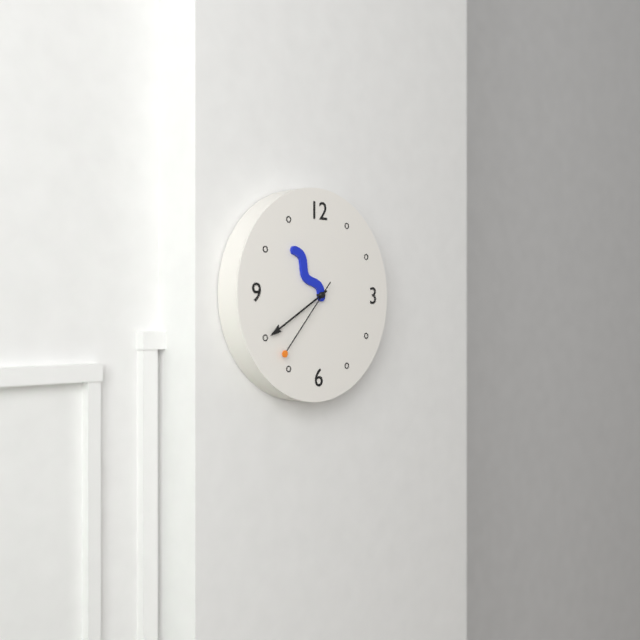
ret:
10,40,37
